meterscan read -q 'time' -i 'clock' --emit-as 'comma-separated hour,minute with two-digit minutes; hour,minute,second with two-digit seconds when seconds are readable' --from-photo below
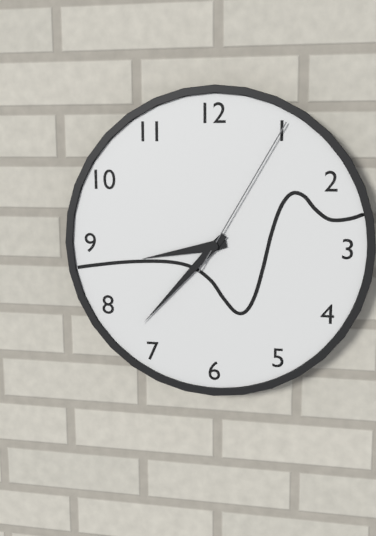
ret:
8,37,05
